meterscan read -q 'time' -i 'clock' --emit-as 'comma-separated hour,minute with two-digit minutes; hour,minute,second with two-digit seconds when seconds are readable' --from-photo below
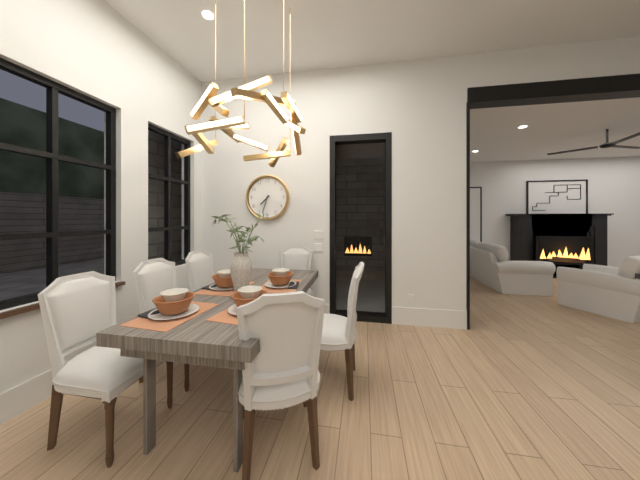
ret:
7,33
